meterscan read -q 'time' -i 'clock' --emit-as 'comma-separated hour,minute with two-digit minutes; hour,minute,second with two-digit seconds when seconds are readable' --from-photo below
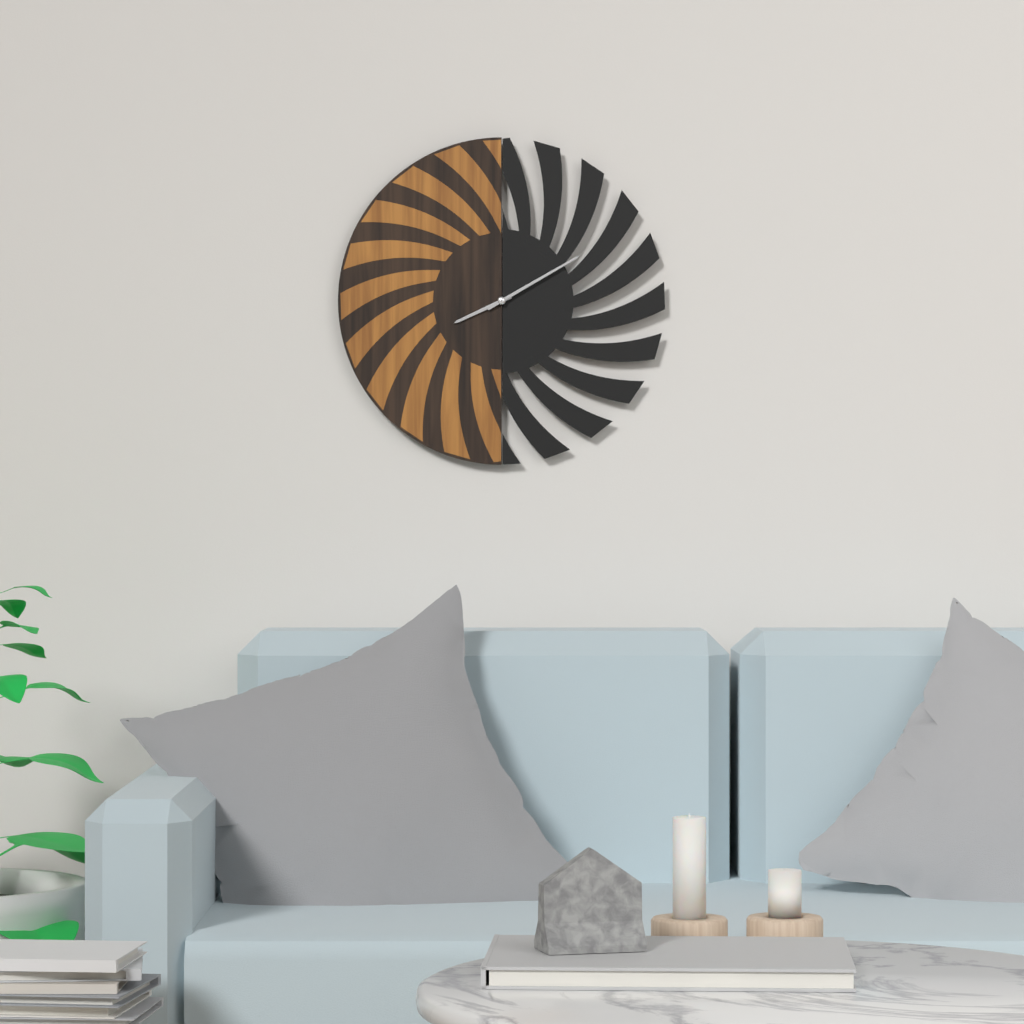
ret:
8,10
